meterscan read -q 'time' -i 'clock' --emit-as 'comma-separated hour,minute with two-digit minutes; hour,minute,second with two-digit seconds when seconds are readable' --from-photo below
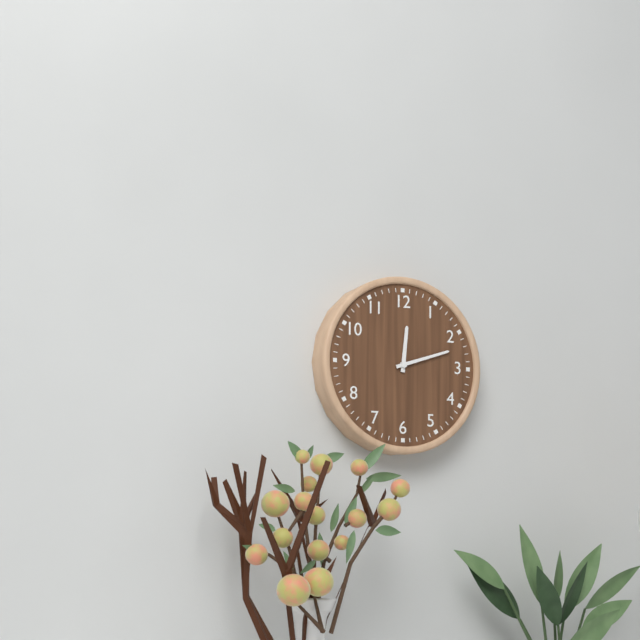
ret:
12,12
